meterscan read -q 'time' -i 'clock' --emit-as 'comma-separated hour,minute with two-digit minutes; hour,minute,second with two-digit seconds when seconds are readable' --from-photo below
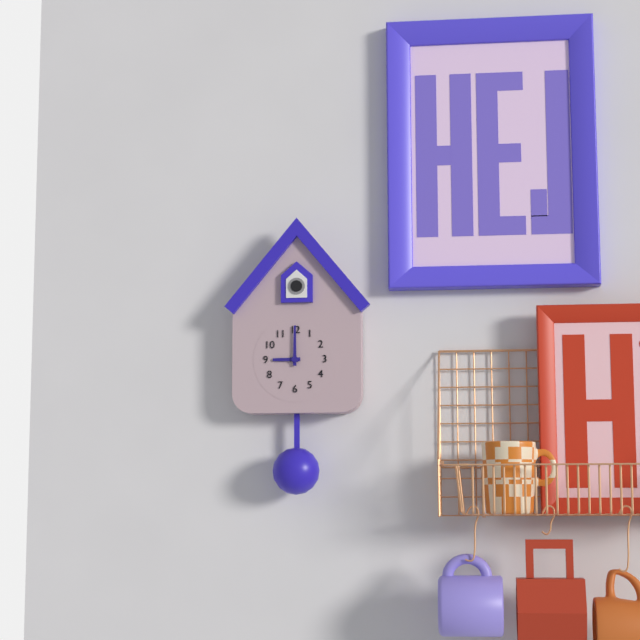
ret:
9,00
